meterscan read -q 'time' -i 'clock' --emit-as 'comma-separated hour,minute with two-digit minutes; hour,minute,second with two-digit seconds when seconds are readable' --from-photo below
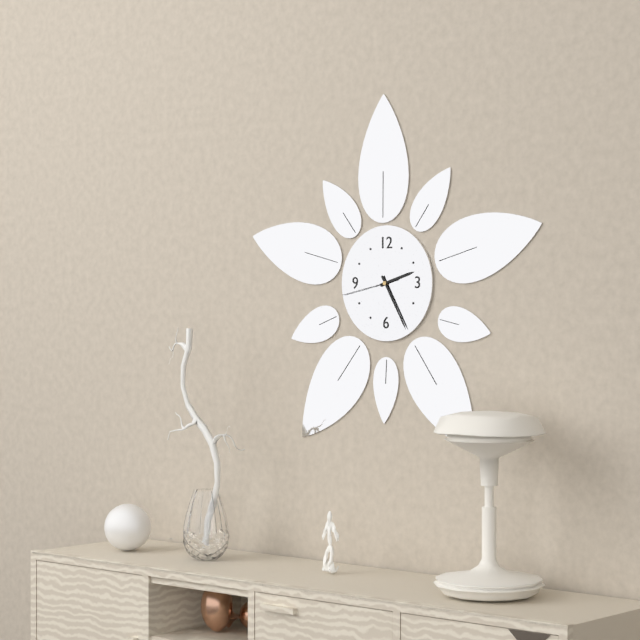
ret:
2,25,43
